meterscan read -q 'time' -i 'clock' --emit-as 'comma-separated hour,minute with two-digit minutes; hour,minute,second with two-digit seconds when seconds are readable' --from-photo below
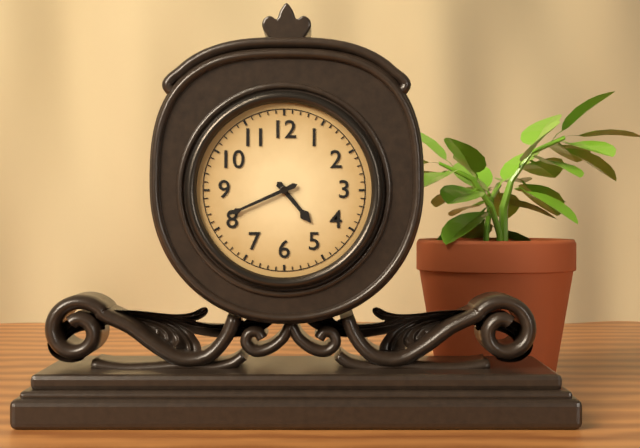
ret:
4,41
